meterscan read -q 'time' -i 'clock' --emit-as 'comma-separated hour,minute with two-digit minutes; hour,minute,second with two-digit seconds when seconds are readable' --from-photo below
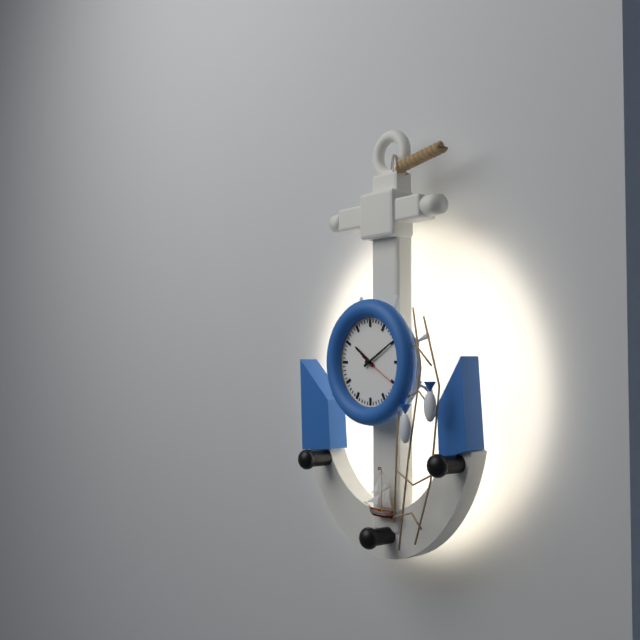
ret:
10,10
